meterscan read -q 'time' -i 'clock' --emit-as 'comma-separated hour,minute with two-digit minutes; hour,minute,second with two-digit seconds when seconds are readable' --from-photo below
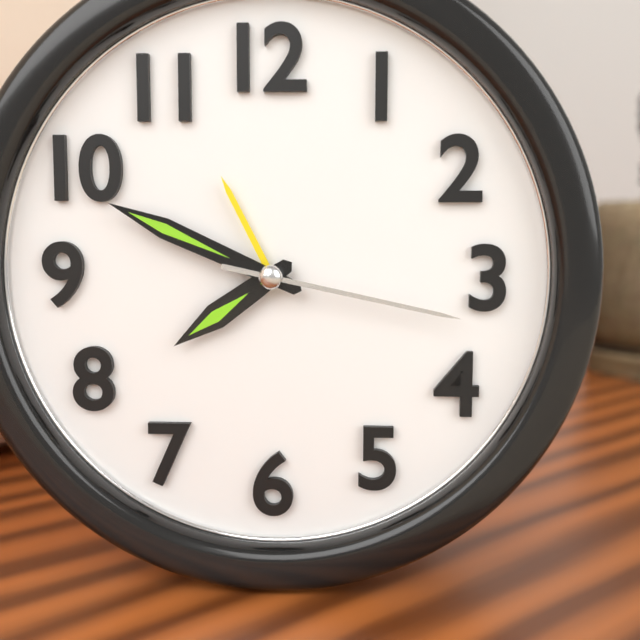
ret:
7,49,17
